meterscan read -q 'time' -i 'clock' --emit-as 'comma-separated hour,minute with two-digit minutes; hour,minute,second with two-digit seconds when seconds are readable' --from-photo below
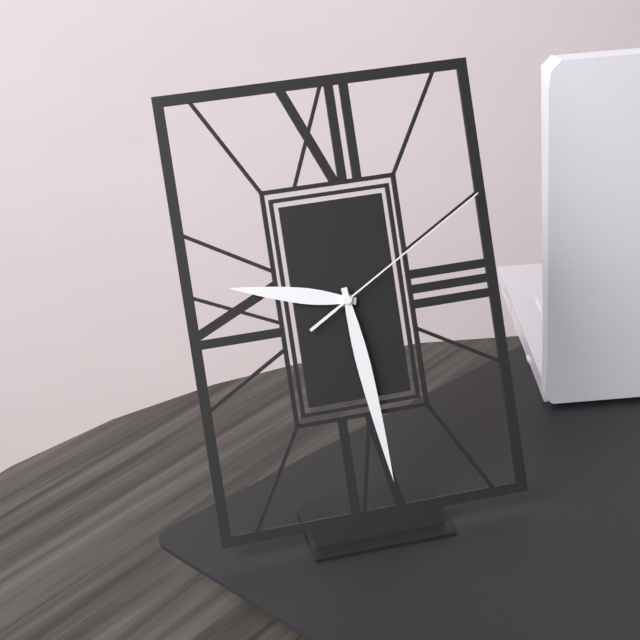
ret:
9,29,10
